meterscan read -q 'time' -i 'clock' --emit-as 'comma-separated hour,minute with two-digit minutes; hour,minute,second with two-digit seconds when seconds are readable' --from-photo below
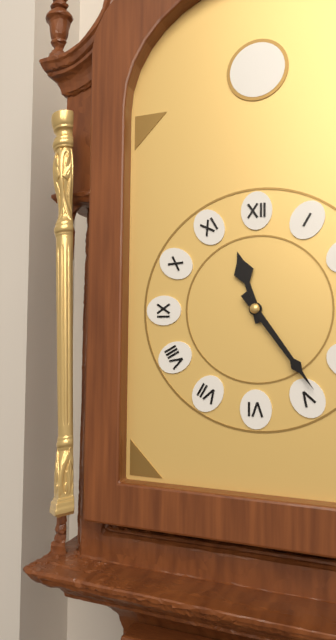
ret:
11,24
